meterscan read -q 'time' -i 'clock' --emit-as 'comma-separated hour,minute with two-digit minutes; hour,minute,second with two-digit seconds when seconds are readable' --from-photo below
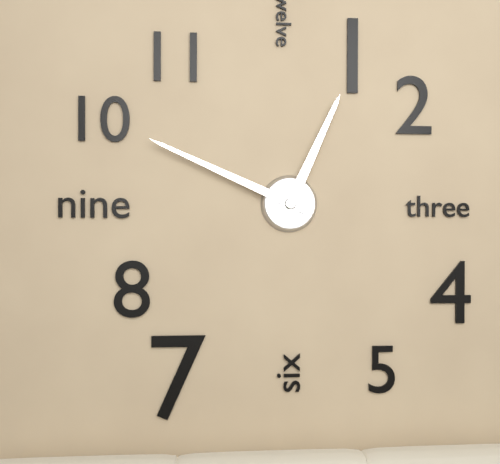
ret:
12,49
